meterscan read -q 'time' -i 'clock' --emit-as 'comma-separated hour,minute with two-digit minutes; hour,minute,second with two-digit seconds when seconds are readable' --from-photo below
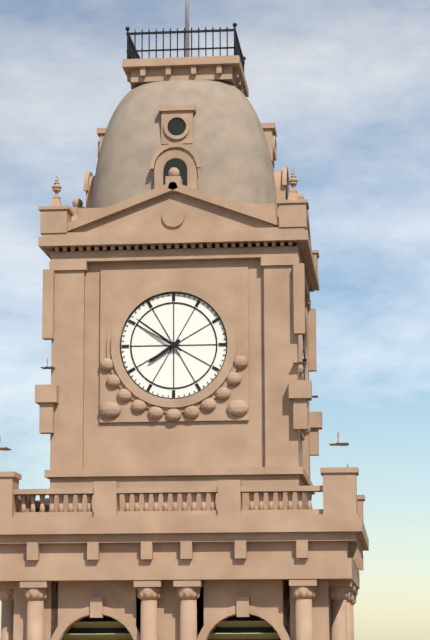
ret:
7,51
